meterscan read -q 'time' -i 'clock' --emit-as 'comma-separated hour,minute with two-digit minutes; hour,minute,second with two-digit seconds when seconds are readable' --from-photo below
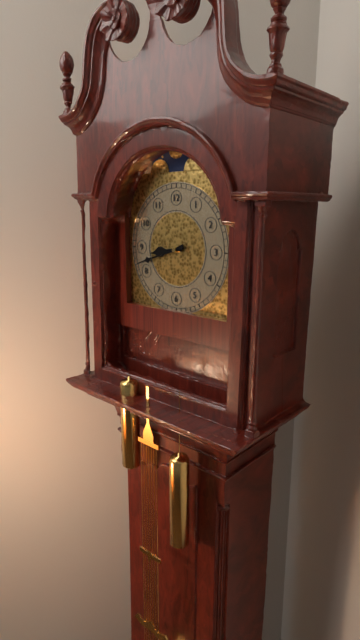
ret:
8,42
